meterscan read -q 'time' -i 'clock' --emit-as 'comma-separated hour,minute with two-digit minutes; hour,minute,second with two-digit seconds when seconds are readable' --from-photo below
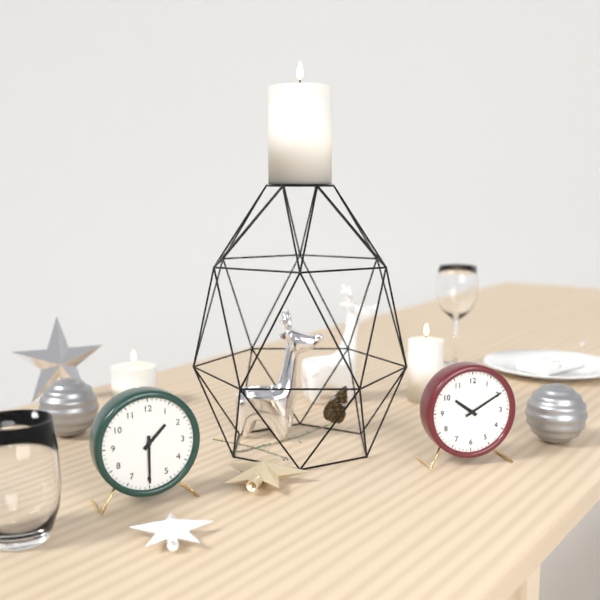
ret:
1,30
